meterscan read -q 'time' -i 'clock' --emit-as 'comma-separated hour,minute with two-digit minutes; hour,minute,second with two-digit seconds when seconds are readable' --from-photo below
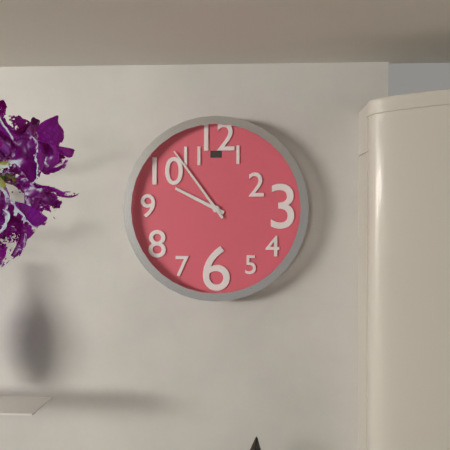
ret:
9,54
